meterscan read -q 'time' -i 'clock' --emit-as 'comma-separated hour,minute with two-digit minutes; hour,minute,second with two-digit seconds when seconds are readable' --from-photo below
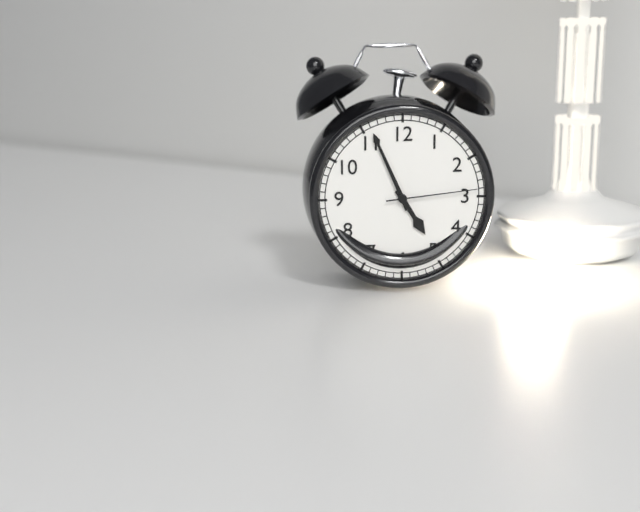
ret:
4,56,14
